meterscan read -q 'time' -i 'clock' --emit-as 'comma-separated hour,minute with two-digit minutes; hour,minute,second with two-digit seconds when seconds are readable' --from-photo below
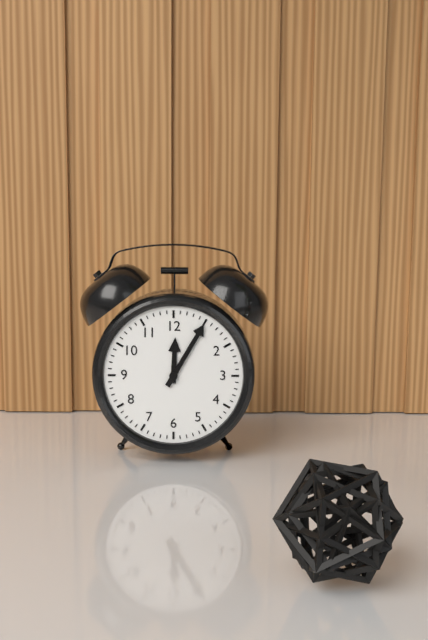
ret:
12,05
